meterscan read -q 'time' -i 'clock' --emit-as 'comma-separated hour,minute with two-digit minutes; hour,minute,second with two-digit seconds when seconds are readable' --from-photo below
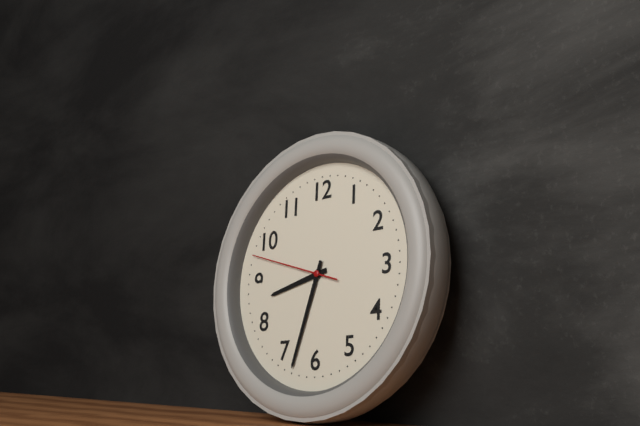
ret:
8,33,48
